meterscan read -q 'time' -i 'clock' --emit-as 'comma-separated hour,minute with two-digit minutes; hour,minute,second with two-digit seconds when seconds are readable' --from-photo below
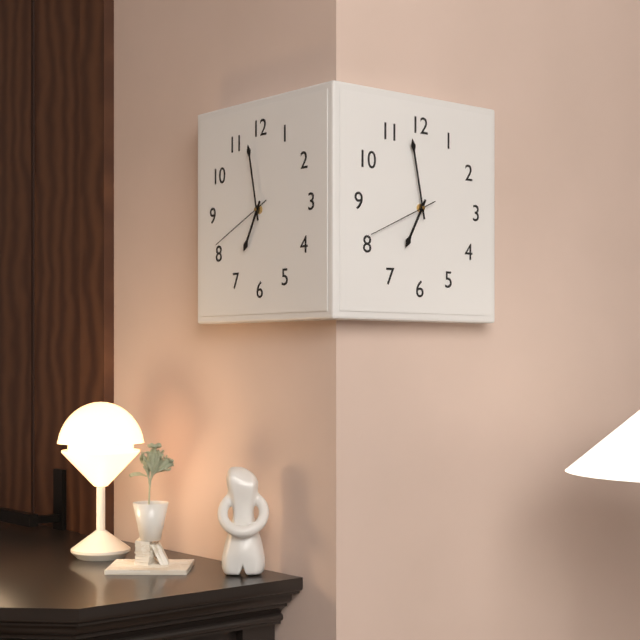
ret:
6,58,41
